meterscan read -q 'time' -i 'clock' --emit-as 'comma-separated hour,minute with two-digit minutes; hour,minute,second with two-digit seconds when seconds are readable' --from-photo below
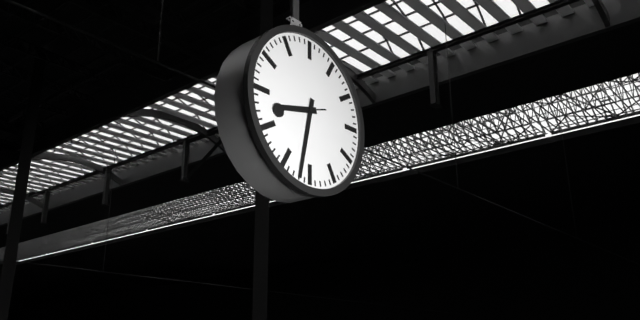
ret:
8,32
